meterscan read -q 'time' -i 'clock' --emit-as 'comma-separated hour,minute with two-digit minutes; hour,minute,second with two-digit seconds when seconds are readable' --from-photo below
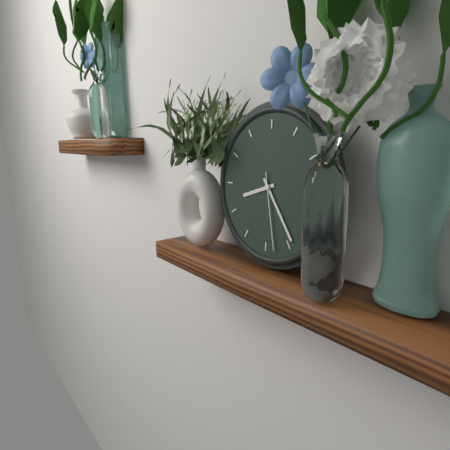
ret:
8,24,28
